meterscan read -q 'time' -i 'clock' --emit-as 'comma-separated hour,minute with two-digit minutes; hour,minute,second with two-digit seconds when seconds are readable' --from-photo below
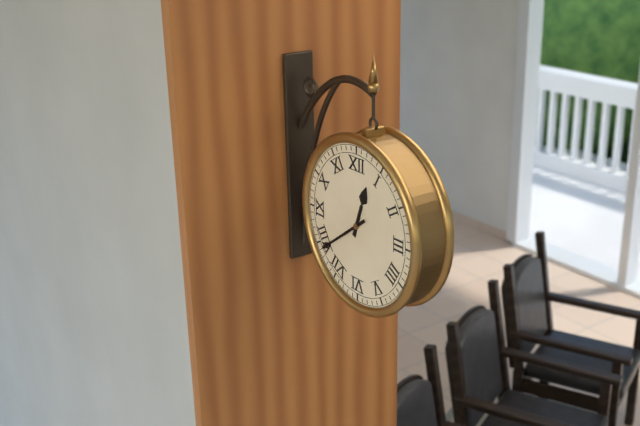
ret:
12,39
